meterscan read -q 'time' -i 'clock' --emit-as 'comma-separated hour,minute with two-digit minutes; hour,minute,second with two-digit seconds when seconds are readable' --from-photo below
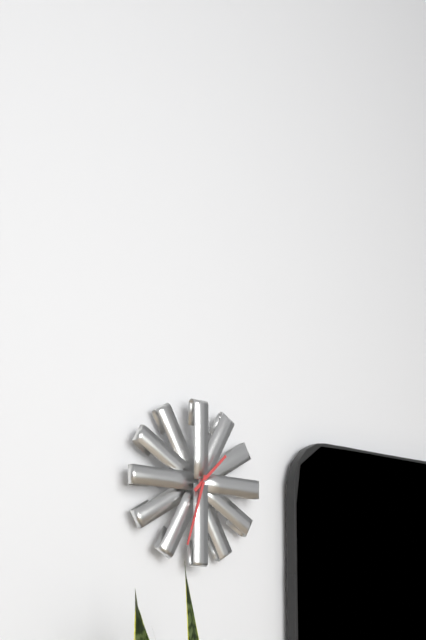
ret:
1,33
